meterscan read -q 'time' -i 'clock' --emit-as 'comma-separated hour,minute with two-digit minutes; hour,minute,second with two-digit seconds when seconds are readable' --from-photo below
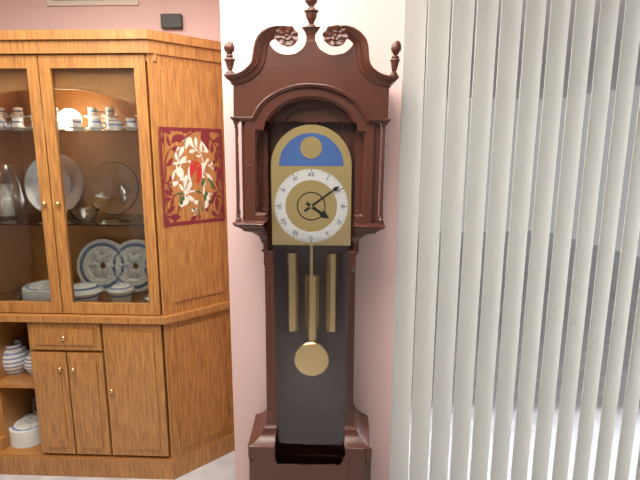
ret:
4,09
